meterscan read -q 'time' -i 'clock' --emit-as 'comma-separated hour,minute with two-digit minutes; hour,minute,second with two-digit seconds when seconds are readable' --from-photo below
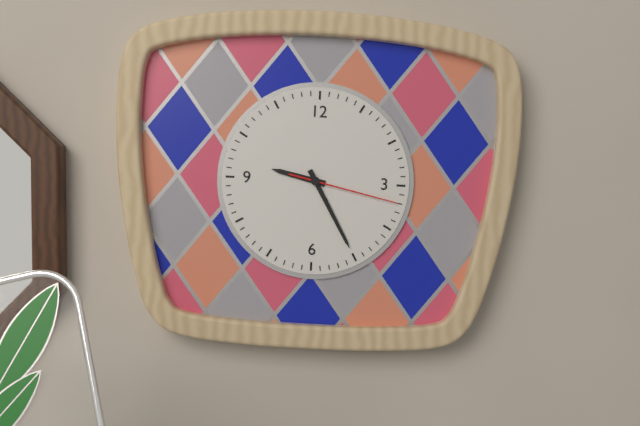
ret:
9,25,17
